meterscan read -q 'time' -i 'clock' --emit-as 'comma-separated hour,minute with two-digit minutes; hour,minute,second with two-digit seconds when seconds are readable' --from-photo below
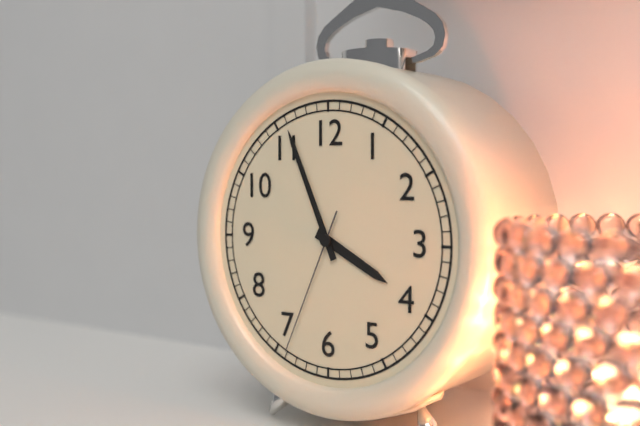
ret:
3,56,34
